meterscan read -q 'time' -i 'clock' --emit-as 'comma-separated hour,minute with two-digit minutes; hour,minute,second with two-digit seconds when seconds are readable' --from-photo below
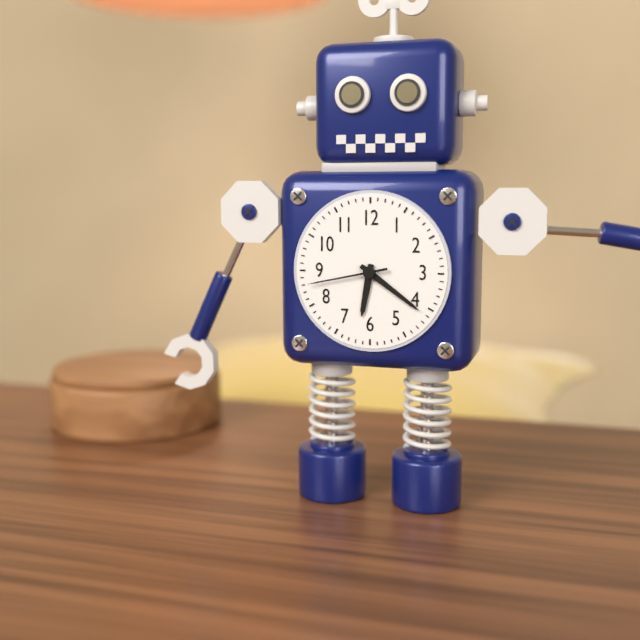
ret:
6,21,43
